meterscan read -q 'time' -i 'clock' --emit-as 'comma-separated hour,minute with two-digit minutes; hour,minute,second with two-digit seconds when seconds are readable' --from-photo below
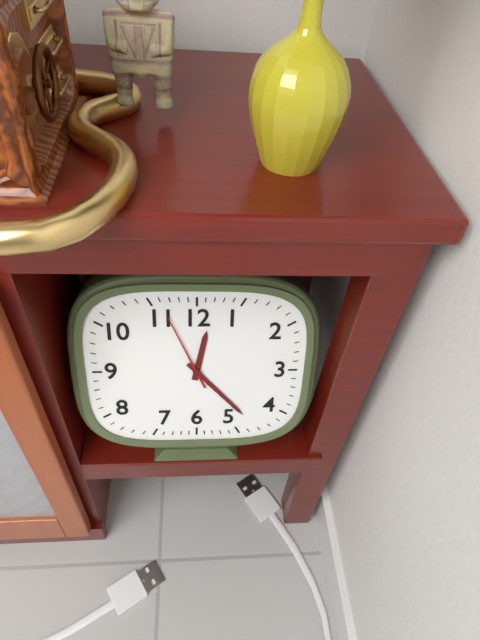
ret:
12,23,56
